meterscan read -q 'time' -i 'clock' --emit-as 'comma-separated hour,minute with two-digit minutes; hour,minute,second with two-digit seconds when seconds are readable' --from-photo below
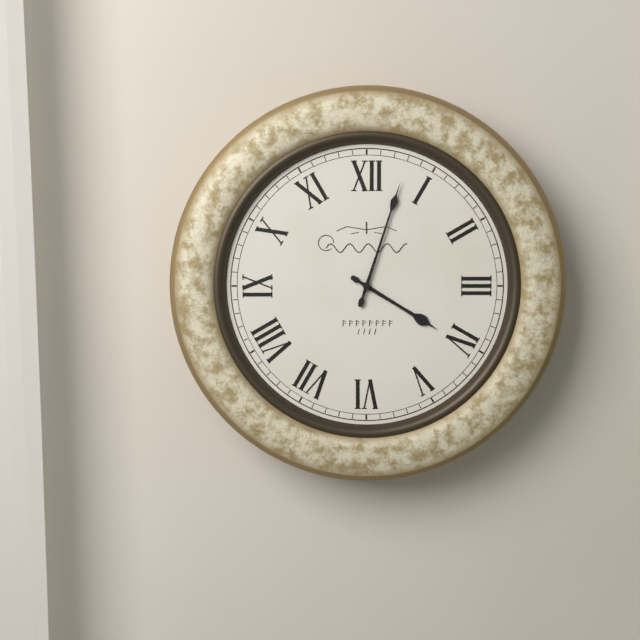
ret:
4,03
